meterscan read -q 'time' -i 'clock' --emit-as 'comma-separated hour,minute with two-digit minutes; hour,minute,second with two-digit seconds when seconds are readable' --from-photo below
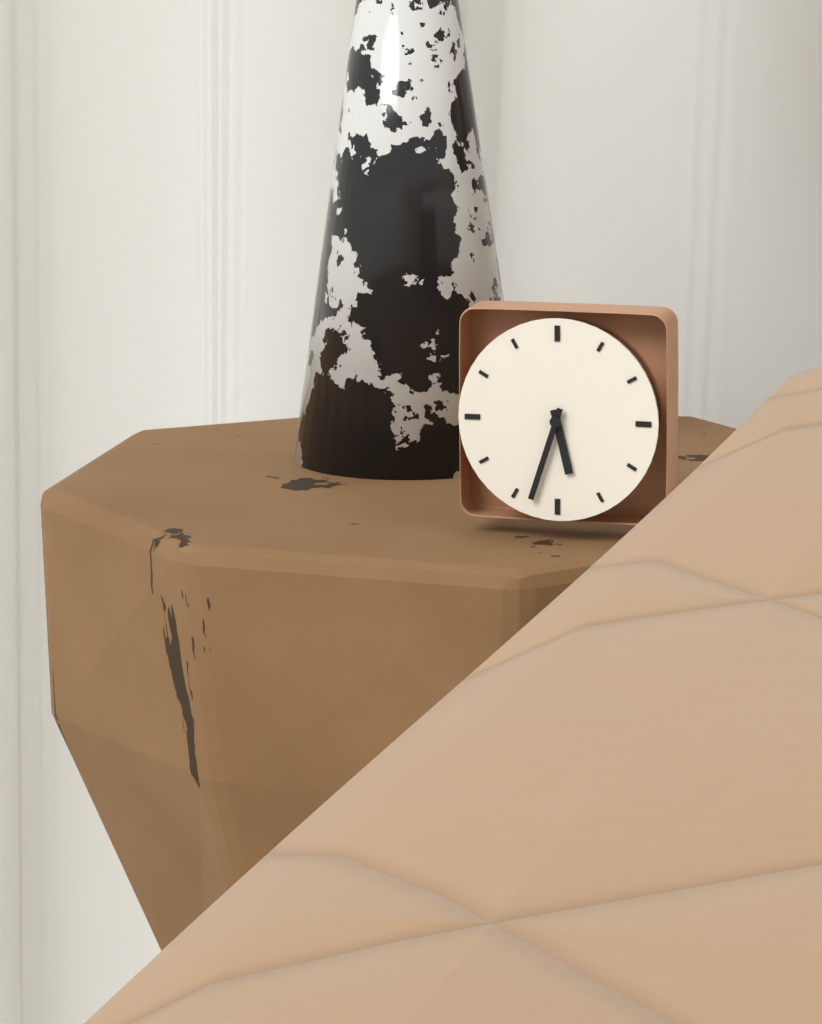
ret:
5,33
